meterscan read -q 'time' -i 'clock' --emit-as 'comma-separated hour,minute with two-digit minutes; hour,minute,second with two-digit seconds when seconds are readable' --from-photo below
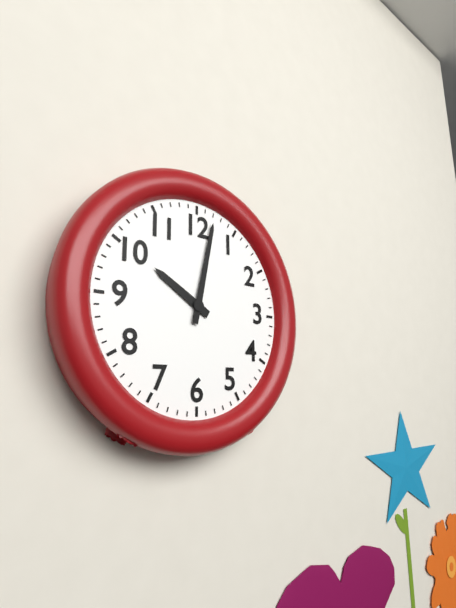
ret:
10,02
